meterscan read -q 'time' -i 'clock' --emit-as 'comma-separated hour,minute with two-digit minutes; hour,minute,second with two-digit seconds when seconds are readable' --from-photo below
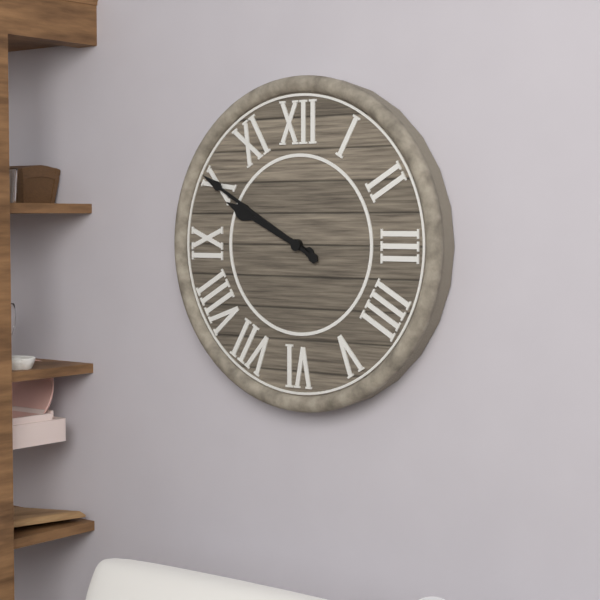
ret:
9,50
